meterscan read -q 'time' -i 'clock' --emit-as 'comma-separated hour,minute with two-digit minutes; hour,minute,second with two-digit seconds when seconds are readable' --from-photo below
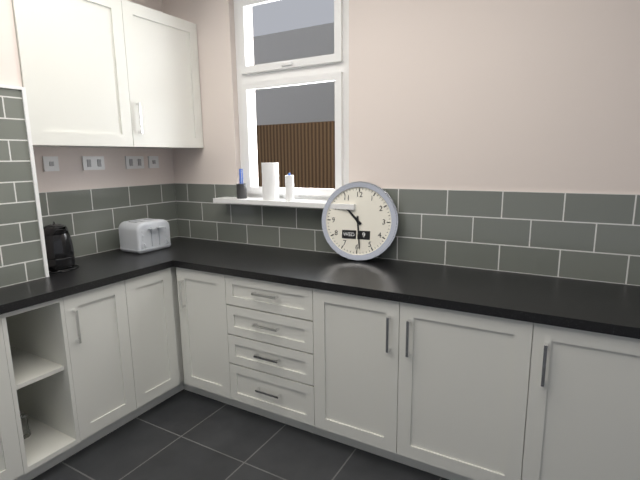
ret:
10,29
